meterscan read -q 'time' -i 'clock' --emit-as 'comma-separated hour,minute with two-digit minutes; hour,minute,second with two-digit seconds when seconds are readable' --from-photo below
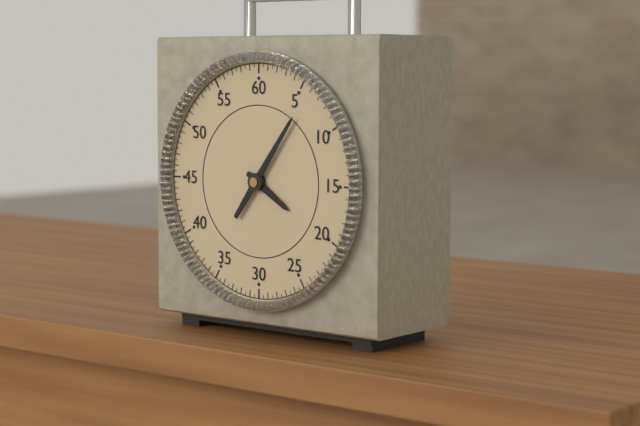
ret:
4,06
